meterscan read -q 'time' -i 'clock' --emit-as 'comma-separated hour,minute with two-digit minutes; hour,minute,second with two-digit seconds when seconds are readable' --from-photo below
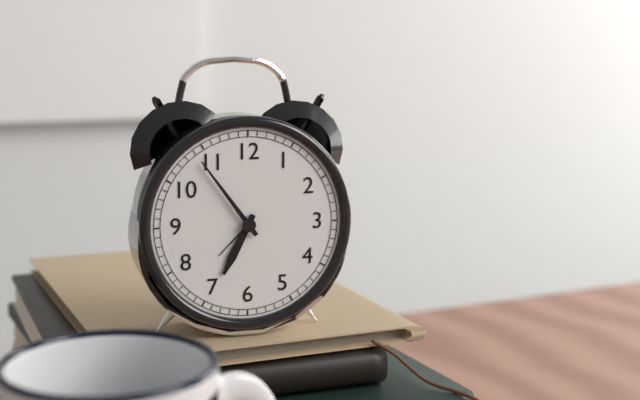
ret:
6,54
